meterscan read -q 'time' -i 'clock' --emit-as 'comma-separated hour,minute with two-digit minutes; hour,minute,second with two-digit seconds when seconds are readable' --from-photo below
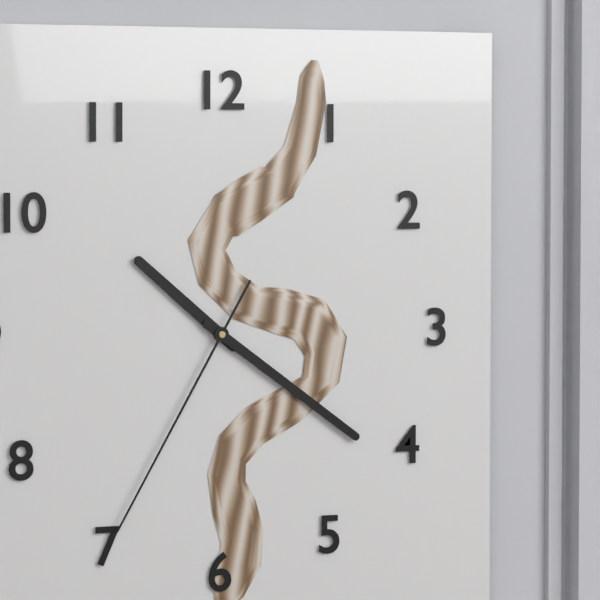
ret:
10,21,35
